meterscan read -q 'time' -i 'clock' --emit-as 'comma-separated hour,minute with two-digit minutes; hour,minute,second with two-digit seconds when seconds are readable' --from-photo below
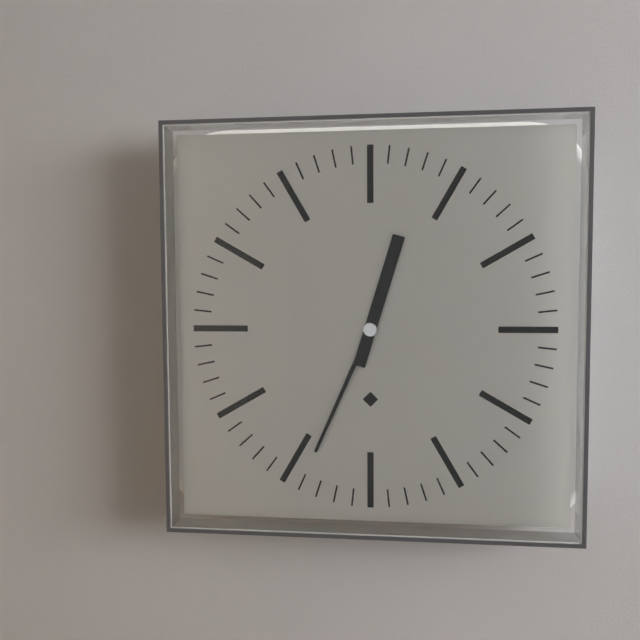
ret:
12,34
